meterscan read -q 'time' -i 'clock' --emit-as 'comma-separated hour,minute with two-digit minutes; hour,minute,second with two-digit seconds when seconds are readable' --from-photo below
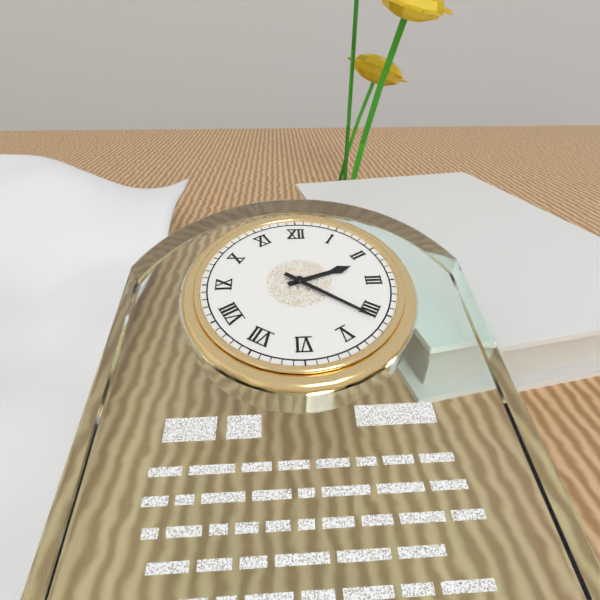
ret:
2,21
